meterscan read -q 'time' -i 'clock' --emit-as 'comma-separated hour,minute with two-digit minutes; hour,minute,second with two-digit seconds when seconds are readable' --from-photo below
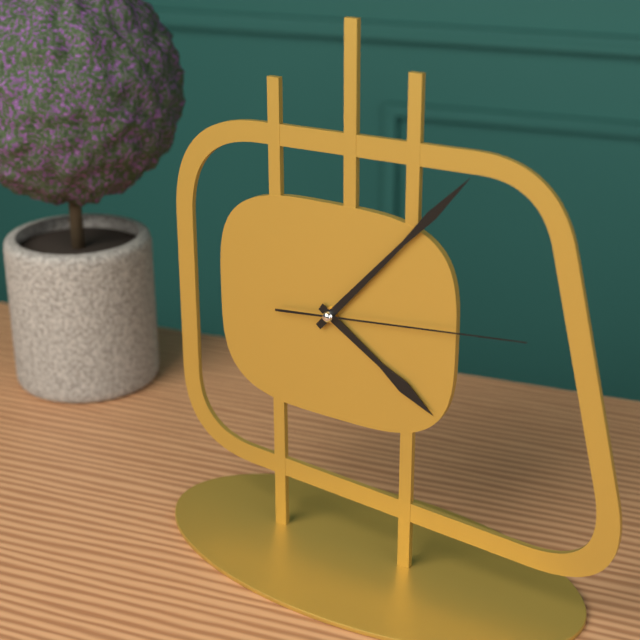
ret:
4,07,14
